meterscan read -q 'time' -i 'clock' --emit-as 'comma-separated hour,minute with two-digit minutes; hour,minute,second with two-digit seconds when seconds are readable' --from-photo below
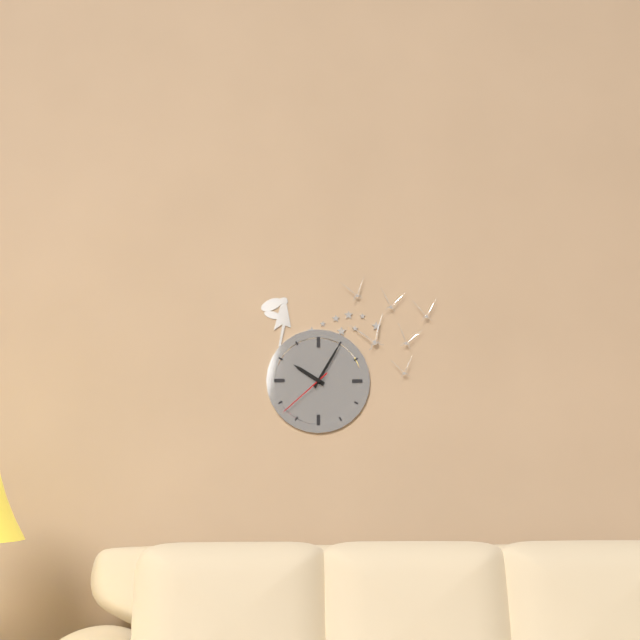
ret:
10,05,38
